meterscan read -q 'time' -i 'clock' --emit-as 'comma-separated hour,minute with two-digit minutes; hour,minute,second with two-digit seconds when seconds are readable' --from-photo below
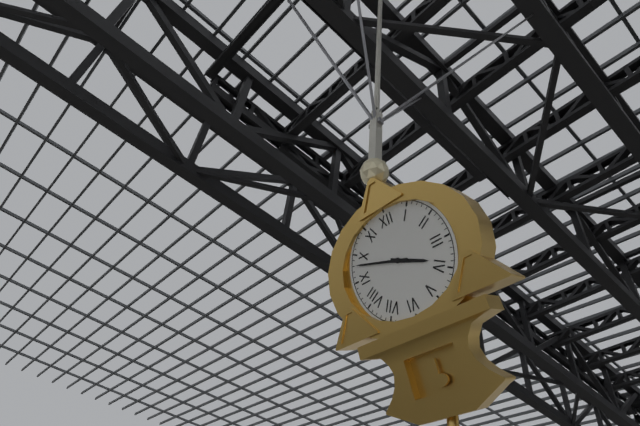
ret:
3,48
